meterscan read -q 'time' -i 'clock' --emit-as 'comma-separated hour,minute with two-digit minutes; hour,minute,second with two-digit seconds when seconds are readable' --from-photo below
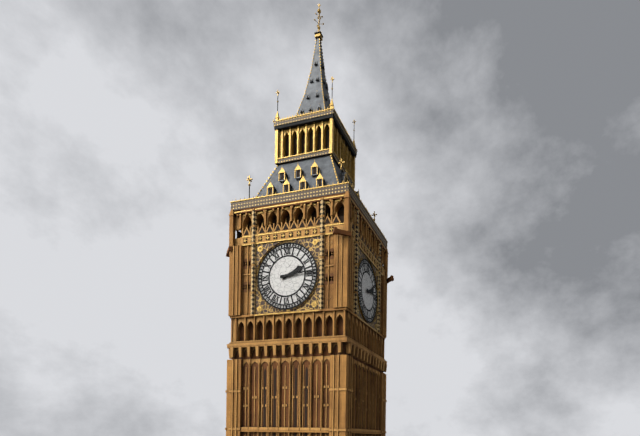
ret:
2,14
